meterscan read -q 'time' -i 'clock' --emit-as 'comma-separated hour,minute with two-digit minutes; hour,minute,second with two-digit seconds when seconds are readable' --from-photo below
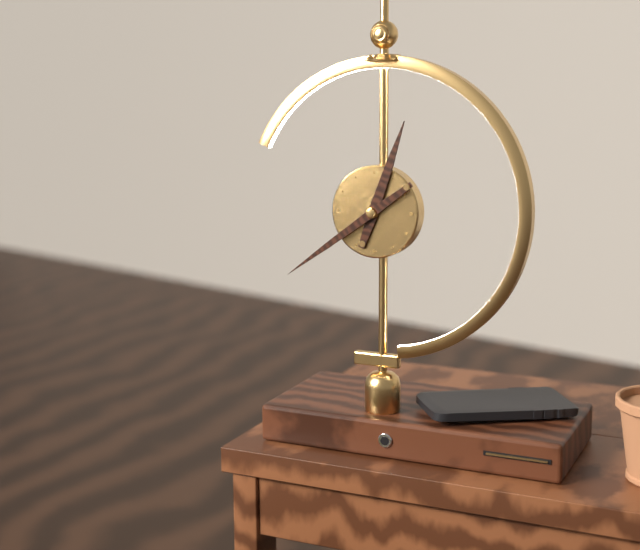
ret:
12,39
